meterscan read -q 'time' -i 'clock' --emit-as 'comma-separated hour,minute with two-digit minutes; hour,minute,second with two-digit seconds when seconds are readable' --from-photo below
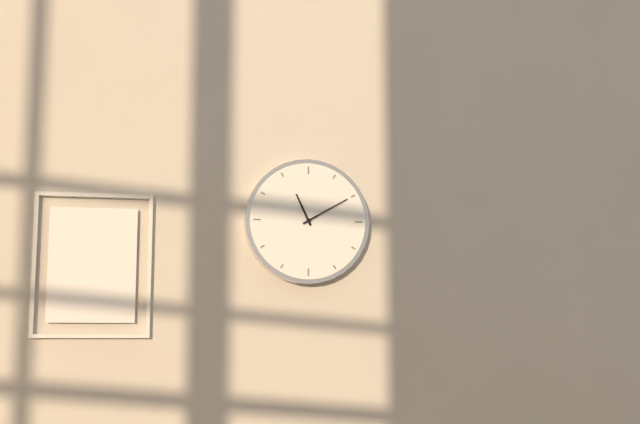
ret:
11,10
